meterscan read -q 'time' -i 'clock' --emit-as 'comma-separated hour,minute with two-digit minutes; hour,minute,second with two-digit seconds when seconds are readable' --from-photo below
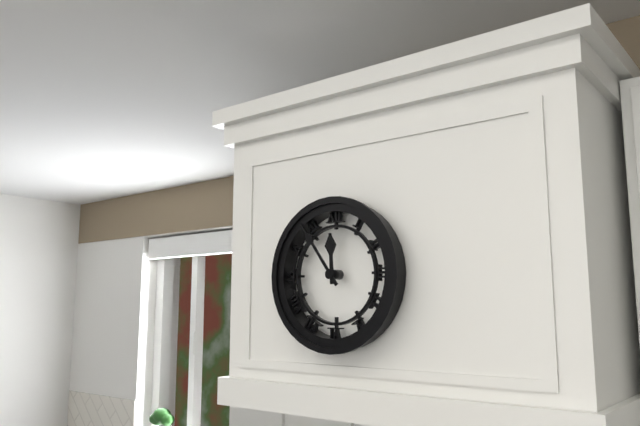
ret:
11,54
